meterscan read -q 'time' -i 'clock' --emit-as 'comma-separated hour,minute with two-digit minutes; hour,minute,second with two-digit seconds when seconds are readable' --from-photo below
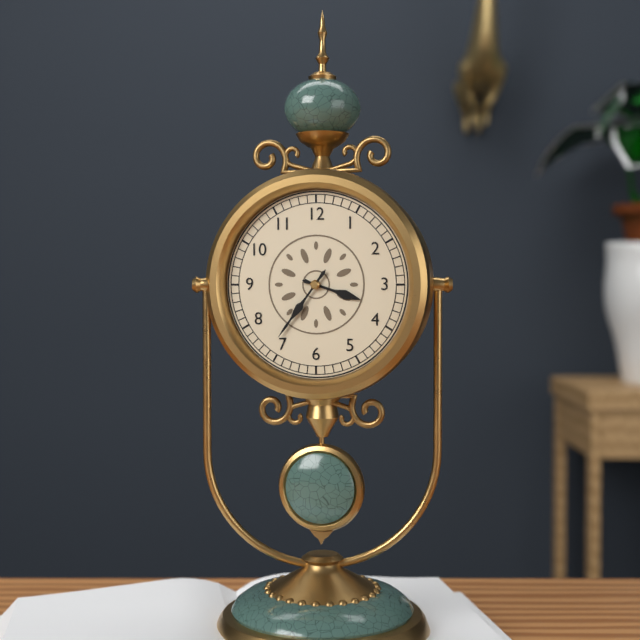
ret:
3,36
